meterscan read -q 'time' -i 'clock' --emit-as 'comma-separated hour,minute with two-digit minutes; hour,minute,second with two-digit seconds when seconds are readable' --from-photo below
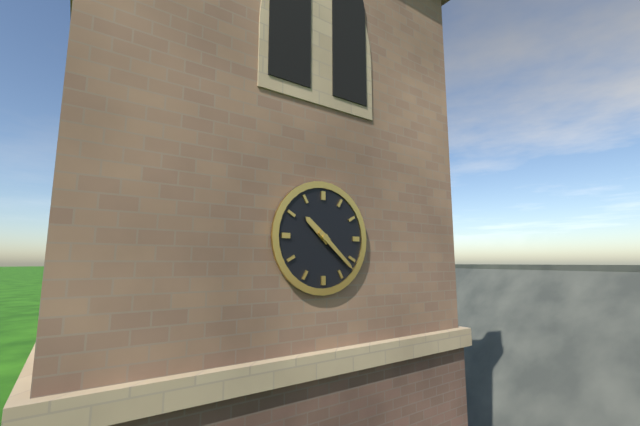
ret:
10,22
